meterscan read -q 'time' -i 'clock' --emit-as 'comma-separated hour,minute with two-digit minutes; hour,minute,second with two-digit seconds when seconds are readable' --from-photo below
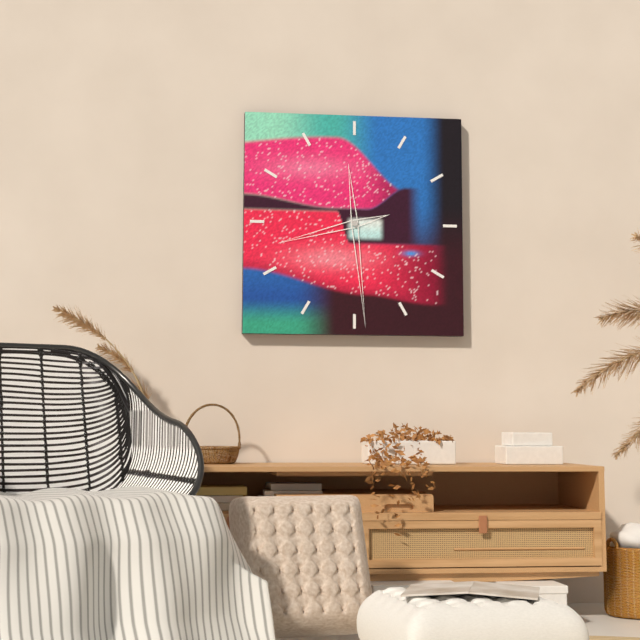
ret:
8,29
